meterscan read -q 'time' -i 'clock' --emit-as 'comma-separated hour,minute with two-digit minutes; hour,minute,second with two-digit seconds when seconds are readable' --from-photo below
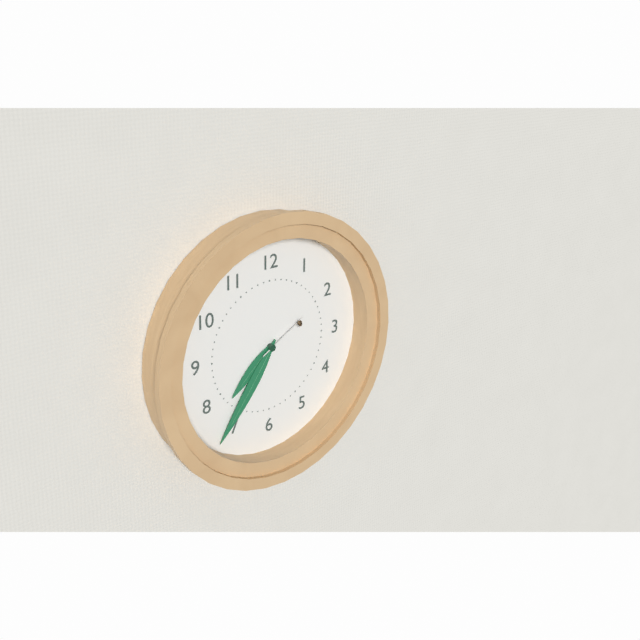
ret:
7,36,10
